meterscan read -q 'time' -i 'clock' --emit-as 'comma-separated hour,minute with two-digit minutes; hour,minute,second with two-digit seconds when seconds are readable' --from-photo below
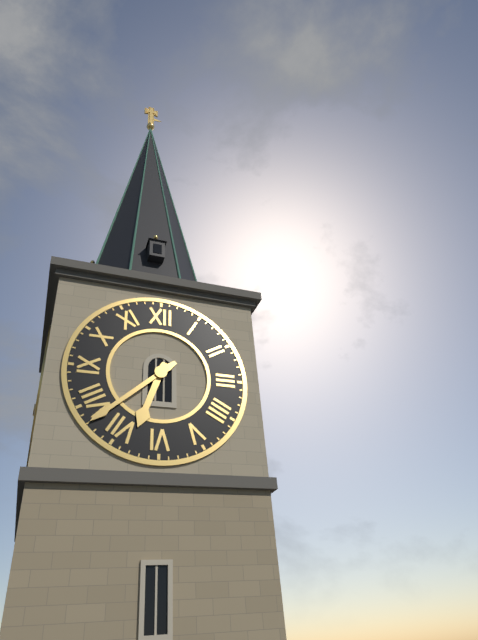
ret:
6,38
